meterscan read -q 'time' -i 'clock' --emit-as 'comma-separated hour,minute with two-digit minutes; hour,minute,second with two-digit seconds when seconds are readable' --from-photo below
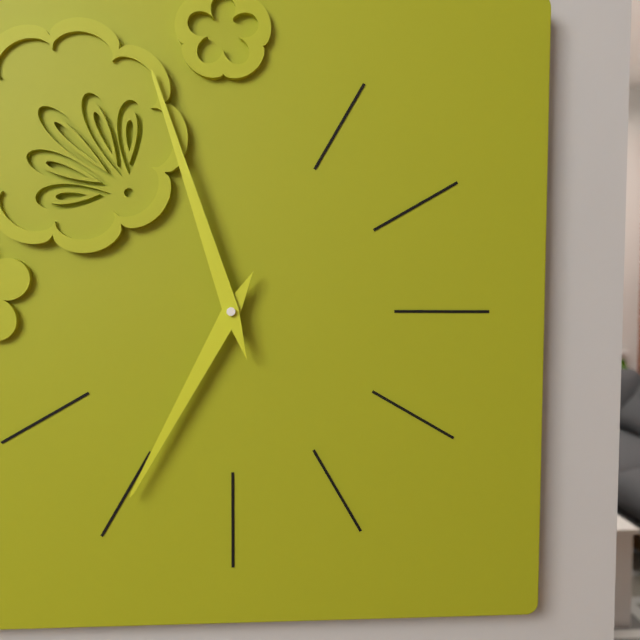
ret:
6,57
